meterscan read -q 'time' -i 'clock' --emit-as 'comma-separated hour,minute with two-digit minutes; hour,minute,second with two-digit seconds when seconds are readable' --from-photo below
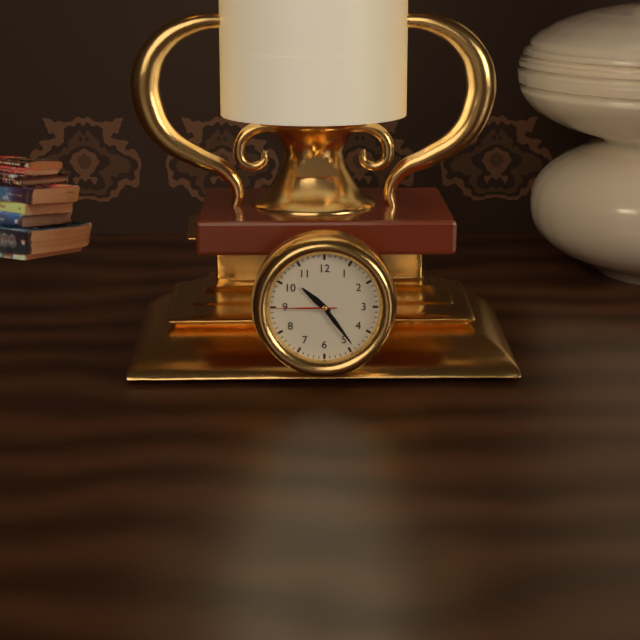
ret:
10,24,45
